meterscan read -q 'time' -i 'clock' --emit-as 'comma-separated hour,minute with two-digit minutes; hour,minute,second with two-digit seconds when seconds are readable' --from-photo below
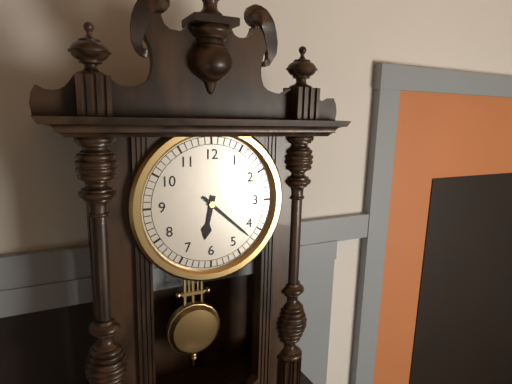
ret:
6,22
